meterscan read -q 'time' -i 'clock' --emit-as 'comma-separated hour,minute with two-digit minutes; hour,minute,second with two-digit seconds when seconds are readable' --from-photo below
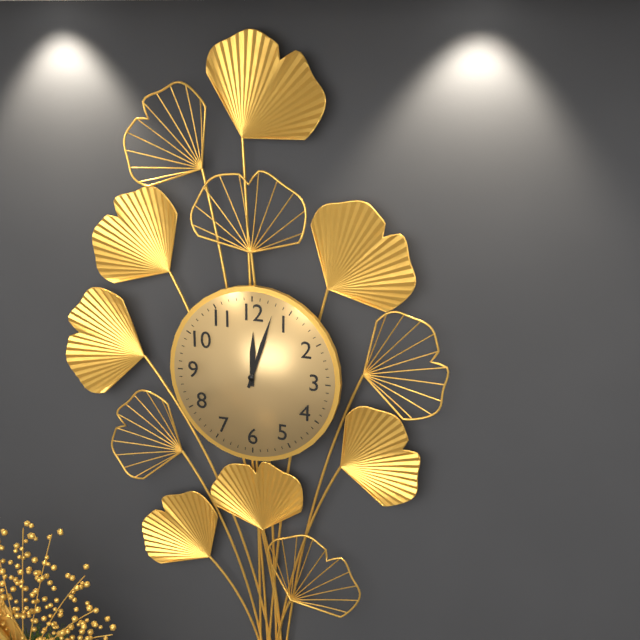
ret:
12,03
